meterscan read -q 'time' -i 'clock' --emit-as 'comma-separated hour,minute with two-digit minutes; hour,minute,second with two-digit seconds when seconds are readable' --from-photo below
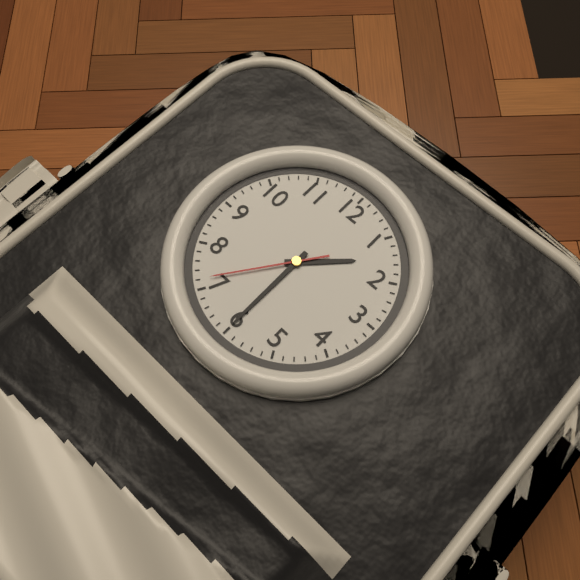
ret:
1,30,36
